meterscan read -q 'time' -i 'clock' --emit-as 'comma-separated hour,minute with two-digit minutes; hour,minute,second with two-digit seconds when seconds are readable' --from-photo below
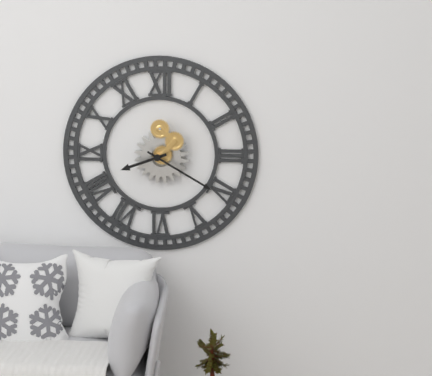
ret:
8,20
